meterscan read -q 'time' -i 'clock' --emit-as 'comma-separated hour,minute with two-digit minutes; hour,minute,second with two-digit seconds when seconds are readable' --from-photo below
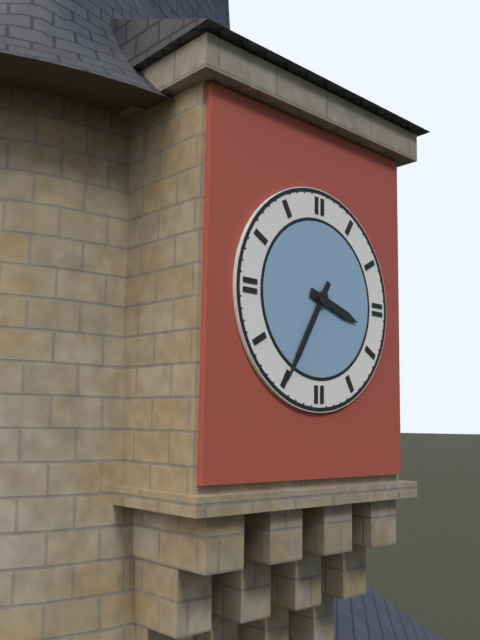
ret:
3,35
